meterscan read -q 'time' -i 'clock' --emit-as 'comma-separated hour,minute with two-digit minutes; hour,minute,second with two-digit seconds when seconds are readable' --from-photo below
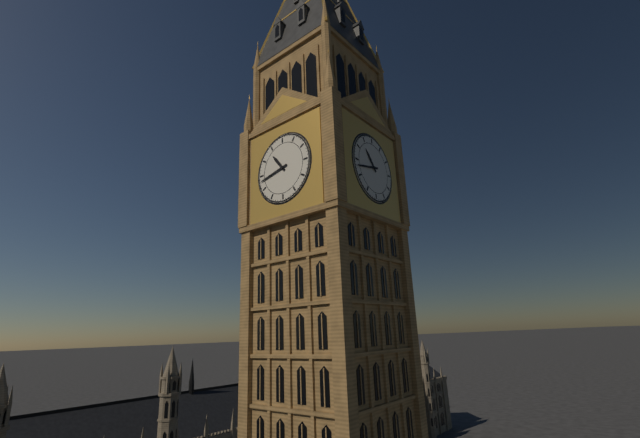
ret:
10,43
